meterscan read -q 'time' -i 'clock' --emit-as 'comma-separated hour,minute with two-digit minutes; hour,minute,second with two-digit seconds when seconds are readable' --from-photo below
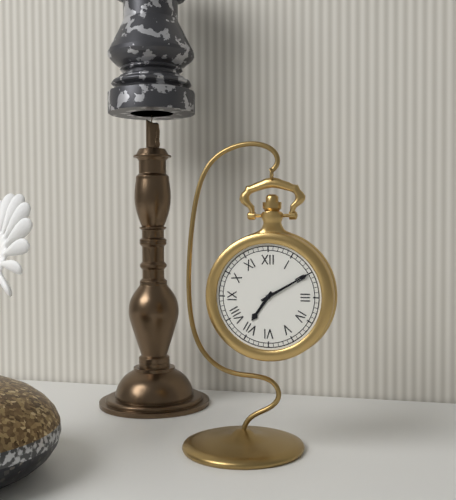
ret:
7,10
